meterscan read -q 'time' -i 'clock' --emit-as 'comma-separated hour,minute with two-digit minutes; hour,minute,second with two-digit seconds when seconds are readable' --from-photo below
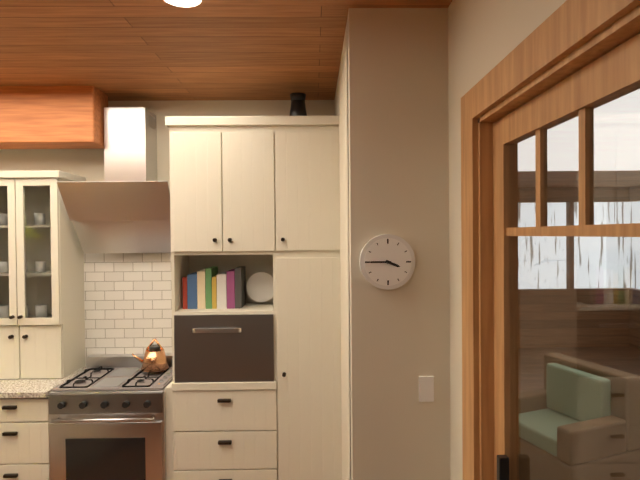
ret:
3,45
